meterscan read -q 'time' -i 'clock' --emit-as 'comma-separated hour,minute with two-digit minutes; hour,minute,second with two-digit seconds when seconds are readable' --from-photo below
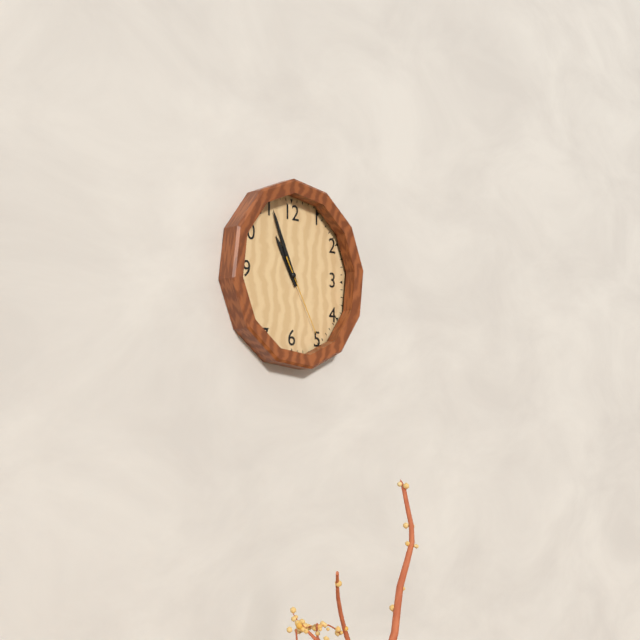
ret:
10,56,25
